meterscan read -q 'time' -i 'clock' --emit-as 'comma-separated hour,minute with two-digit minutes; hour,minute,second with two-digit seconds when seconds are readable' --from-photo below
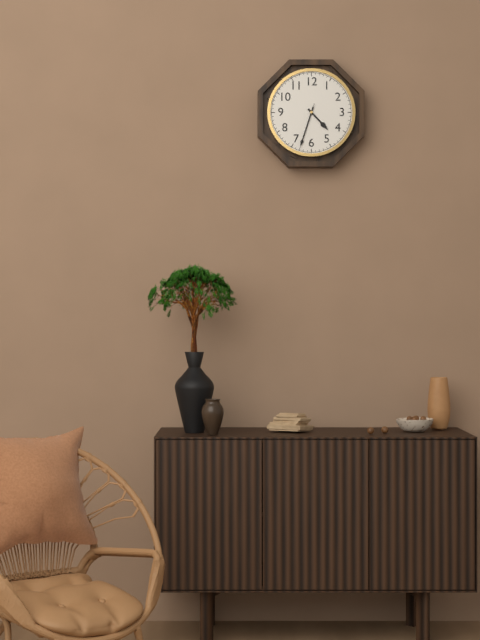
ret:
4,33
